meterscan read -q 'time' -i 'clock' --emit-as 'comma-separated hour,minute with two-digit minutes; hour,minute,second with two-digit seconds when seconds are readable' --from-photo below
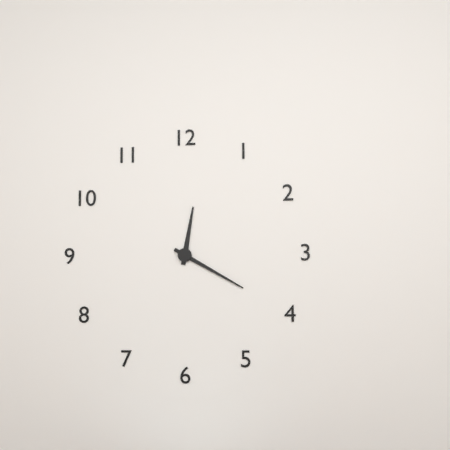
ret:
12,20
